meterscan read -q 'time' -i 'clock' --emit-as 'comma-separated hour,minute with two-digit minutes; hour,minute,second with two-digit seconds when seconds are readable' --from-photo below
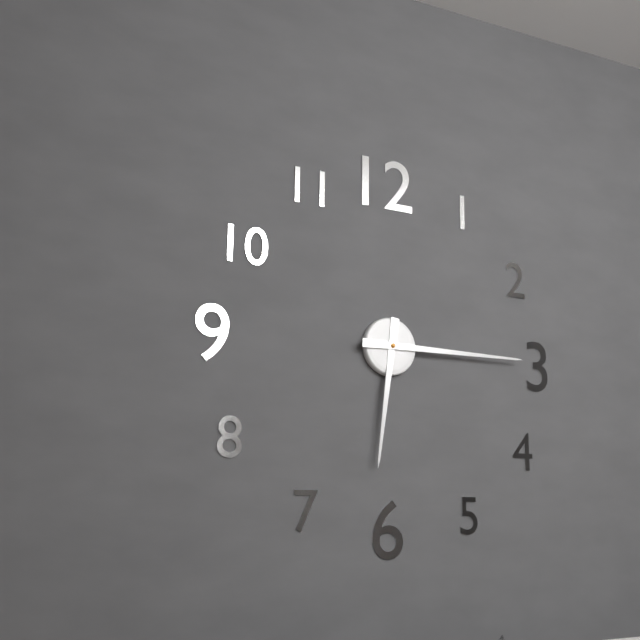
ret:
6,15
